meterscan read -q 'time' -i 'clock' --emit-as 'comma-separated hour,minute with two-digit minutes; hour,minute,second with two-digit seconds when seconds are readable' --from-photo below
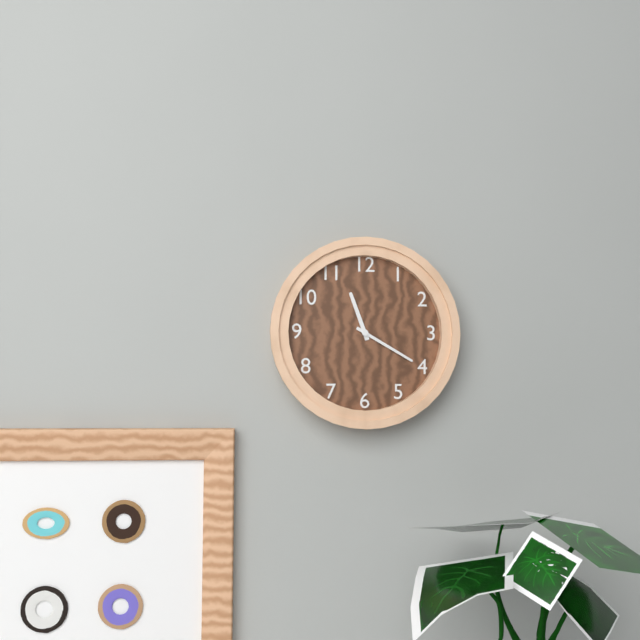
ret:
11,20
